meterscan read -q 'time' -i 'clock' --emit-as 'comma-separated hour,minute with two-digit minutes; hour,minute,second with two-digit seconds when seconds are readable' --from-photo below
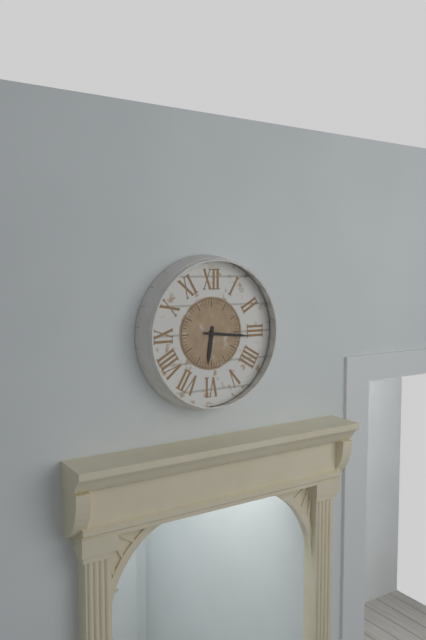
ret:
6,16
